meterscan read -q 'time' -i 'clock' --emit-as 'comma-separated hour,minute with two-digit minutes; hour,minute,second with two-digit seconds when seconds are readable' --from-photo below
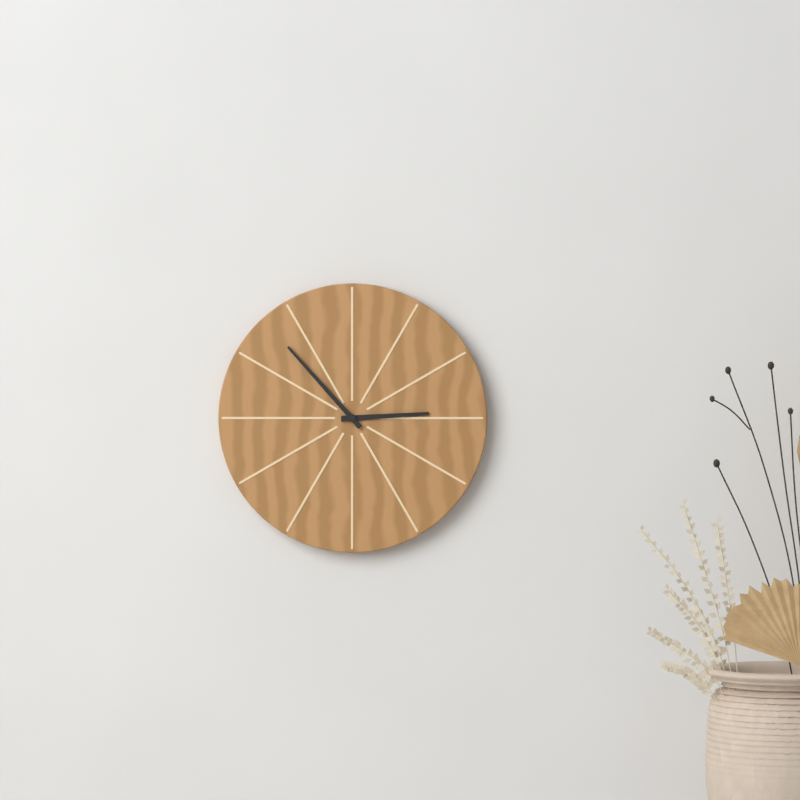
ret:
2,53
